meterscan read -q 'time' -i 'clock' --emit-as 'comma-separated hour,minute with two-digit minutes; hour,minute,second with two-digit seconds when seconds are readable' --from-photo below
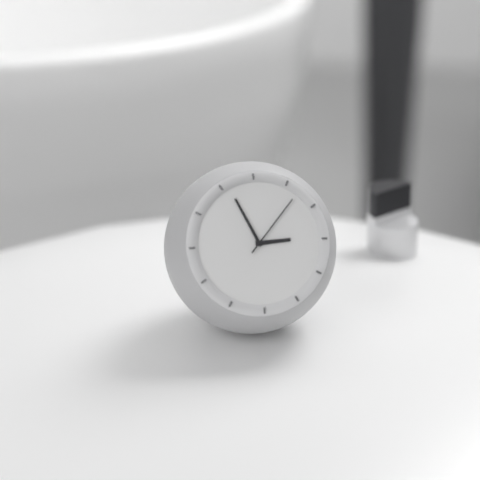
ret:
2,56,07
